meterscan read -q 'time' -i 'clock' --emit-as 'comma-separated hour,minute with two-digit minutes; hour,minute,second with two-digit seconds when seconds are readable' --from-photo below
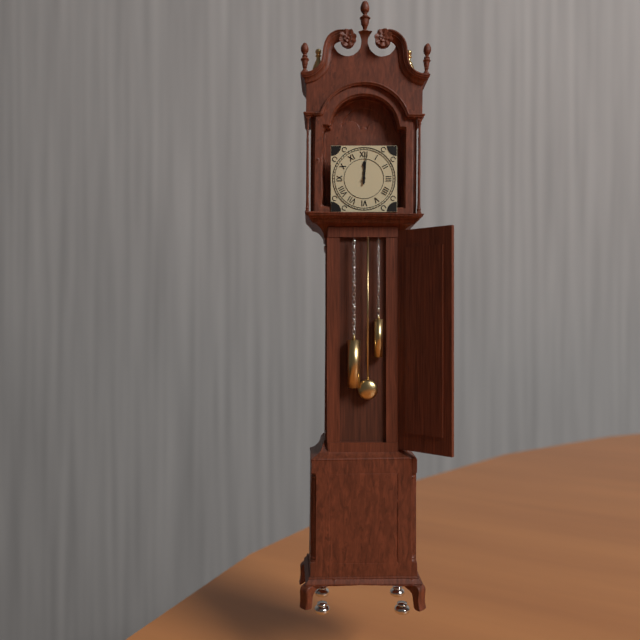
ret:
12,01
